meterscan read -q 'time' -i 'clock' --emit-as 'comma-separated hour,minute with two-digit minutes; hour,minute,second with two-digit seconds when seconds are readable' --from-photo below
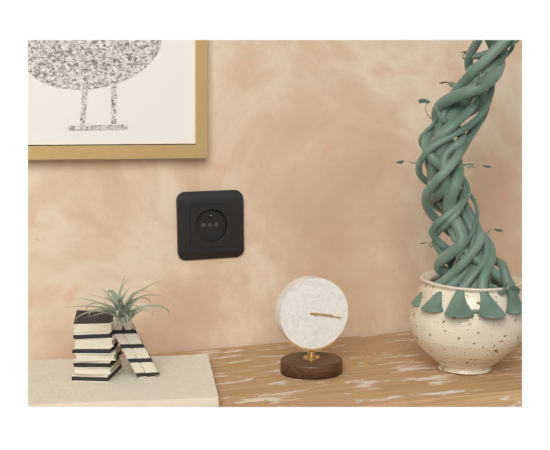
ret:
3,17
